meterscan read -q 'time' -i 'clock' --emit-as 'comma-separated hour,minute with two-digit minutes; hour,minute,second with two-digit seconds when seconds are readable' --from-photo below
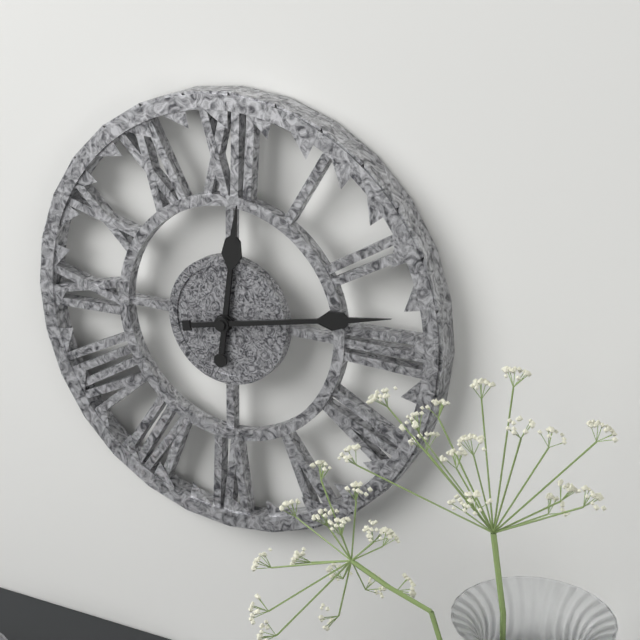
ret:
12,13
